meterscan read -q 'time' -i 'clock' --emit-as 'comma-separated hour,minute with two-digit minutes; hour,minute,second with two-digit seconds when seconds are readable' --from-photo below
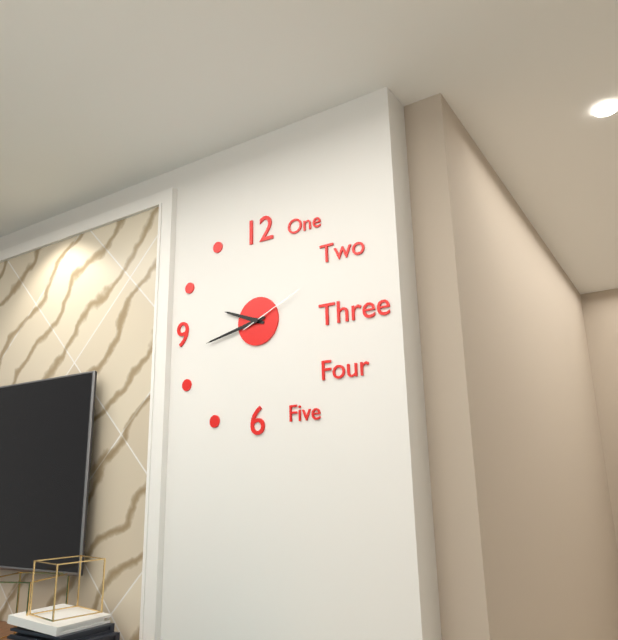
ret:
9,43,11
